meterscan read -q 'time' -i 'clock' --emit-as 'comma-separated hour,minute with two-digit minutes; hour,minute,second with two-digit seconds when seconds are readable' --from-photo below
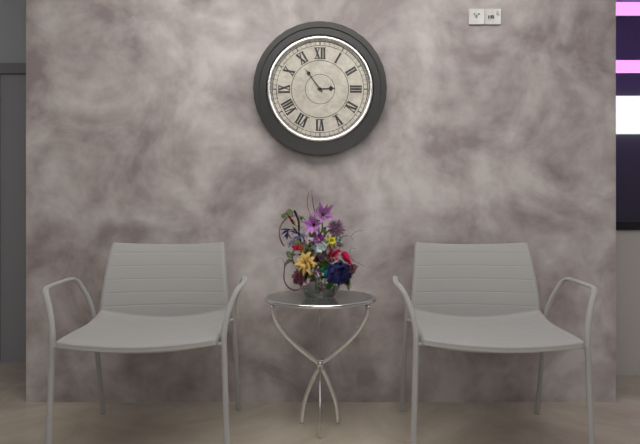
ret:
2,54
